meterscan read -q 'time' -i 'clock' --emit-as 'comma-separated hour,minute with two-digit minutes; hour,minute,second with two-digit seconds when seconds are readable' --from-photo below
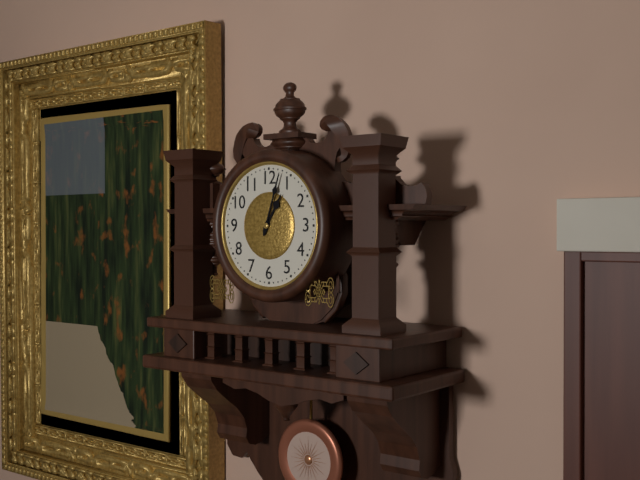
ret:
1,03
